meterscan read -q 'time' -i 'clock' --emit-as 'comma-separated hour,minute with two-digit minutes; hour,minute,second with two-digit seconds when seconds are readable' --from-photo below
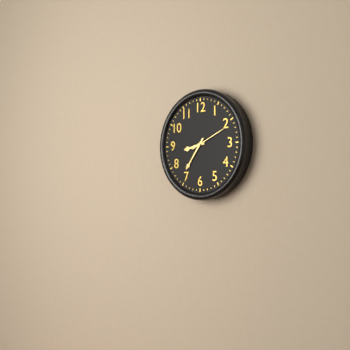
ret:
8,36
